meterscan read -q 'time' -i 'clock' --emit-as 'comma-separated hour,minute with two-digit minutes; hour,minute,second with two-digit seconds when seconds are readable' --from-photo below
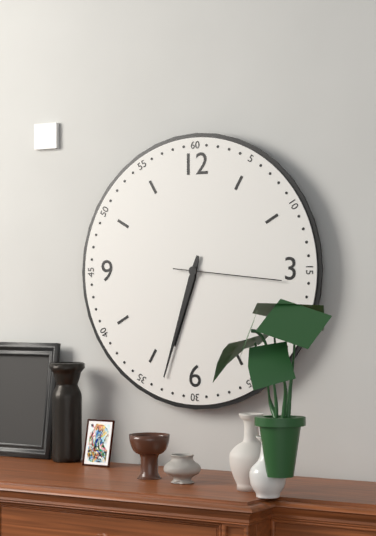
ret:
6,33,16
